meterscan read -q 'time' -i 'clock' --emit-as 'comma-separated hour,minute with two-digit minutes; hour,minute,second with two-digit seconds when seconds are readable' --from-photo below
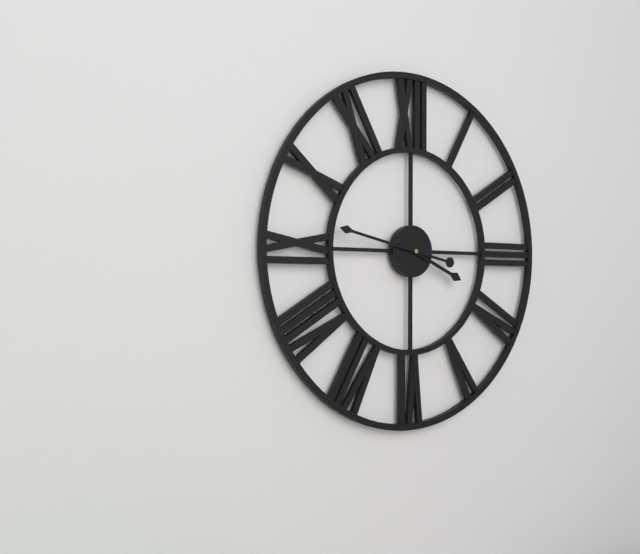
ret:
3,47
